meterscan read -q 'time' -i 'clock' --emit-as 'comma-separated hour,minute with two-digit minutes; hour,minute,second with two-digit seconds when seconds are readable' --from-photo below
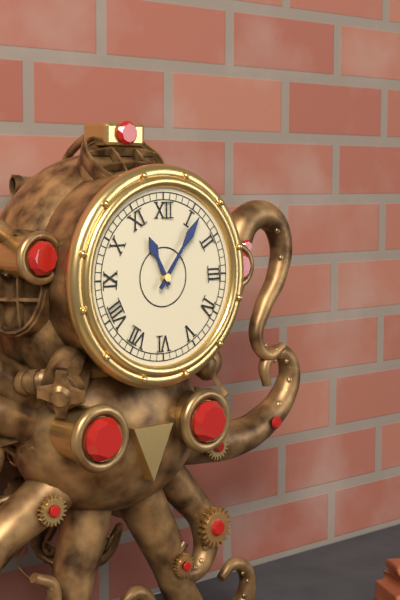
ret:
11,06
